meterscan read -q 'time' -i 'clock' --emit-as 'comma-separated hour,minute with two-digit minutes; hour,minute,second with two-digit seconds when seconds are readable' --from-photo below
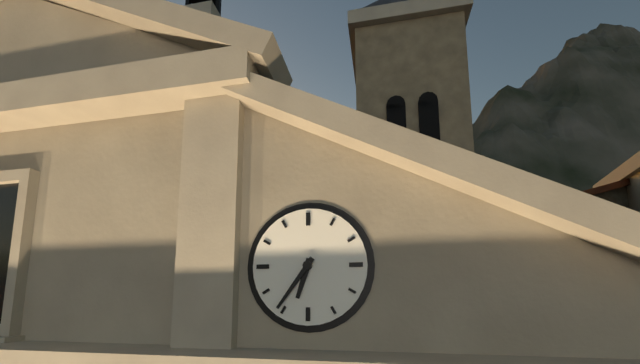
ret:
6,36
